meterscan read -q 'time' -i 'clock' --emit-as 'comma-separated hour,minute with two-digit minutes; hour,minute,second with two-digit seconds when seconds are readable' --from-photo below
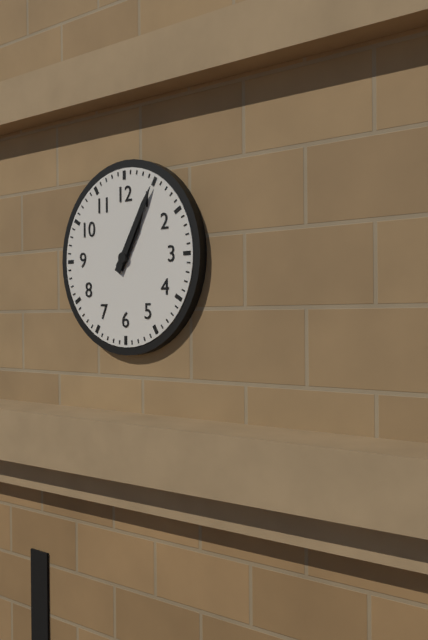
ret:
1,05
